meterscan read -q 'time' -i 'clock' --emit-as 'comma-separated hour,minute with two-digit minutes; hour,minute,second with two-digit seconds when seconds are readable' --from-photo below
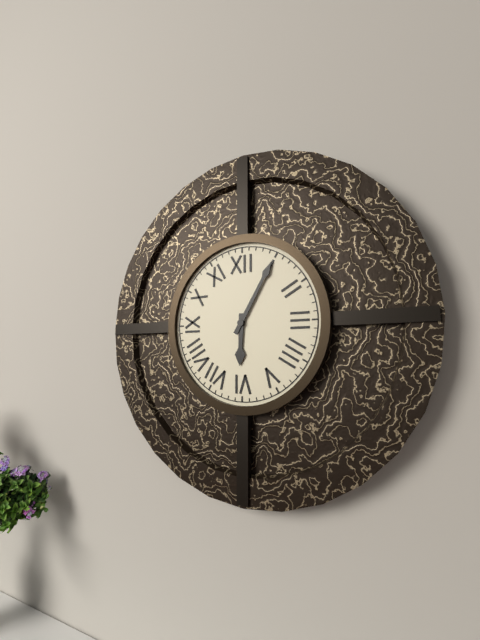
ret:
6,05
